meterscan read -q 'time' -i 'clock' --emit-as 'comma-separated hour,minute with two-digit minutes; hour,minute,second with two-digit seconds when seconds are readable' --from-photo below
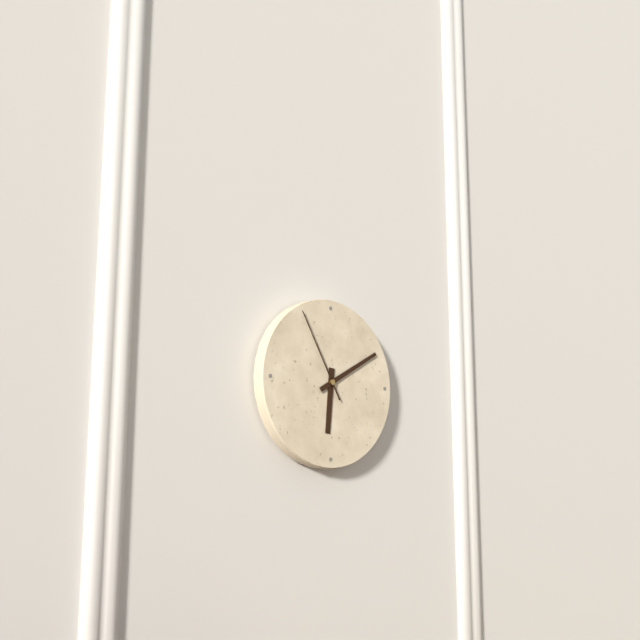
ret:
6,10,55
